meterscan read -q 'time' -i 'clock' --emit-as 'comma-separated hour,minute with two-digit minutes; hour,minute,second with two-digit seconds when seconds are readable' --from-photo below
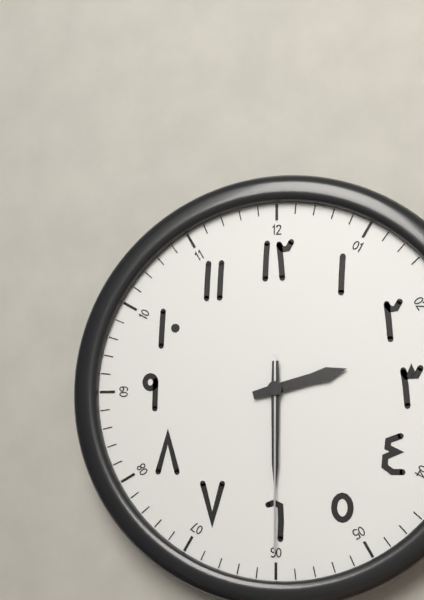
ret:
2,30,30
